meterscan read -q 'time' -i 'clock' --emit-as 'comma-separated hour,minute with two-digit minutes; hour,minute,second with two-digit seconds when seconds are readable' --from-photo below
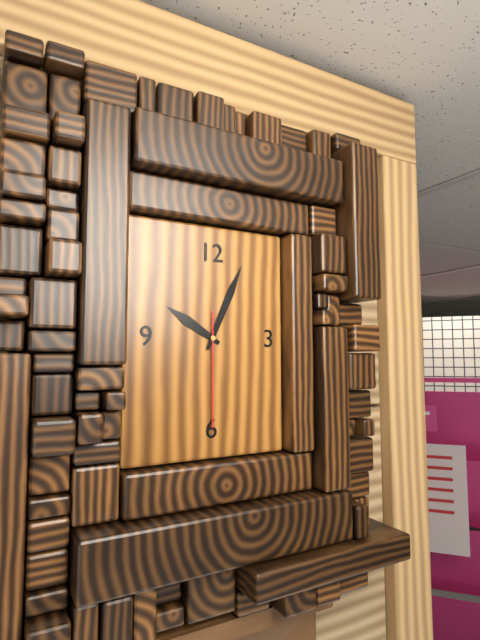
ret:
10,04,30
